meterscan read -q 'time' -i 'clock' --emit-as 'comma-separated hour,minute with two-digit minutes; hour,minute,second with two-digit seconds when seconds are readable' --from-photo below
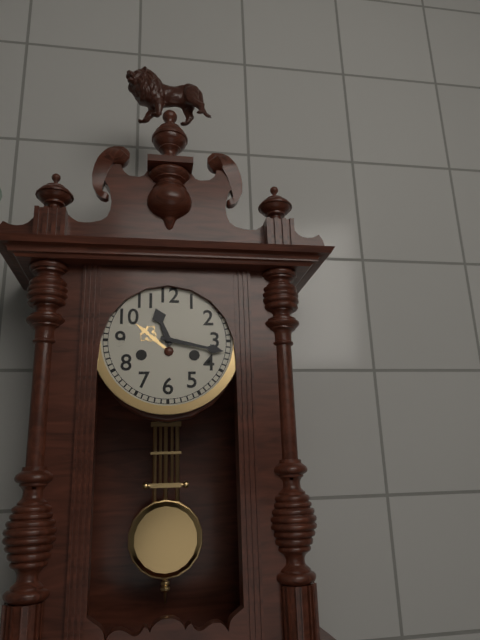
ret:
11,17
